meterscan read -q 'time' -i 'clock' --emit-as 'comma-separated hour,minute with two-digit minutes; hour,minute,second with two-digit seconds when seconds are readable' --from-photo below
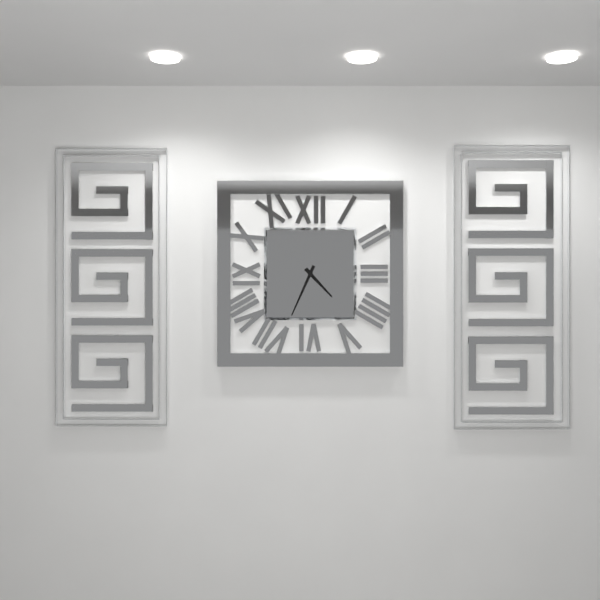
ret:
4,34
